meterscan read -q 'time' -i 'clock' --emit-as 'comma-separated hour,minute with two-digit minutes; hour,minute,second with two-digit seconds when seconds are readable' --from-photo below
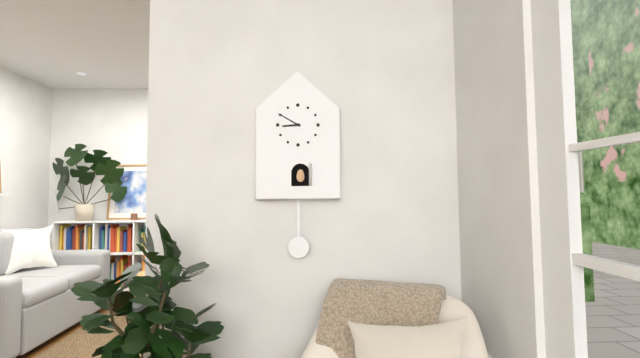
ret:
8,50
